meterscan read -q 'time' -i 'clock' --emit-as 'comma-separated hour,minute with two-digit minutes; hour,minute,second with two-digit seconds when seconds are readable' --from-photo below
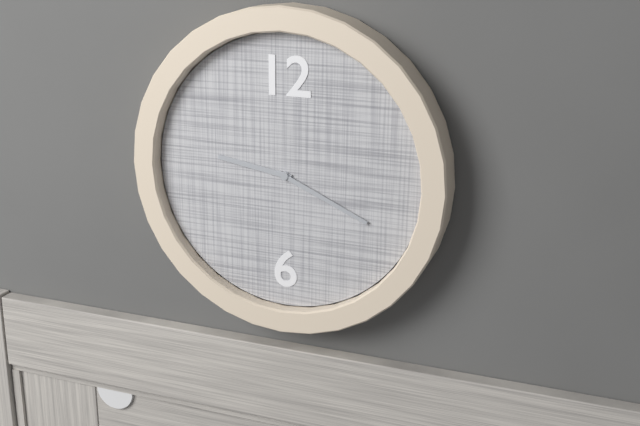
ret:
9,19
